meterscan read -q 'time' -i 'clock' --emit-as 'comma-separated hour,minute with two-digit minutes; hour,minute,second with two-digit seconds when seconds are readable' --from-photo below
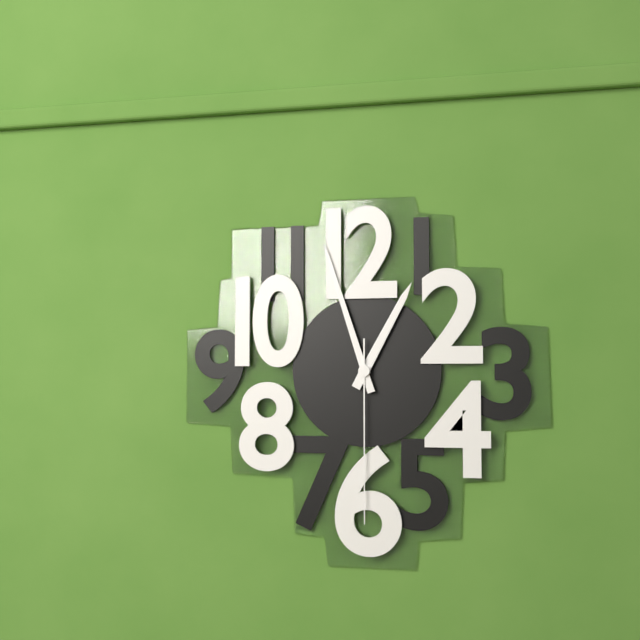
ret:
12,57,30
